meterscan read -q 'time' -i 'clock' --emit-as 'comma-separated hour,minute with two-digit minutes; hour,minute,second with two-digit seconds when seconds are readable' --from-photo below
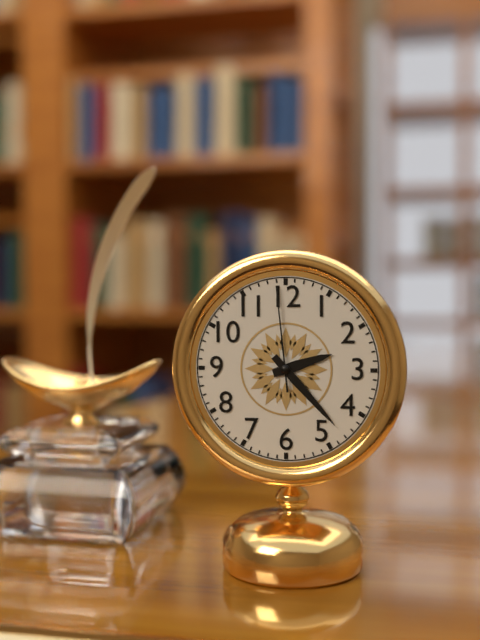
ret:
2,23,59
